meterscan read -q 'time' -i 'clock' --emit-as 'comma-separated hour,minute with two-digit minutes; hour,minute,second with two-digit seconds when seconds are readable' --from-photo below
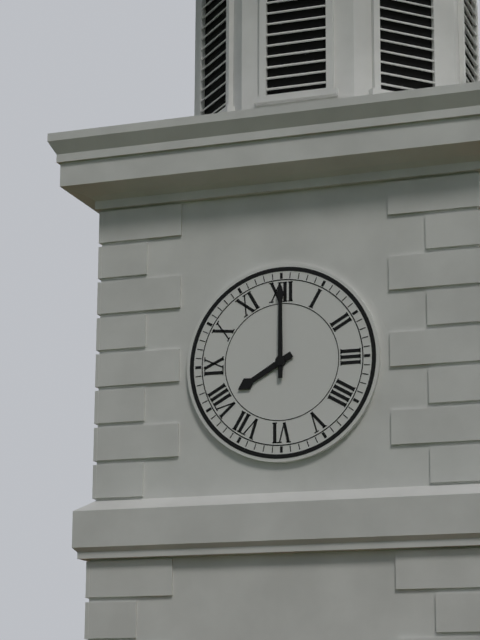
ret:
8,00
